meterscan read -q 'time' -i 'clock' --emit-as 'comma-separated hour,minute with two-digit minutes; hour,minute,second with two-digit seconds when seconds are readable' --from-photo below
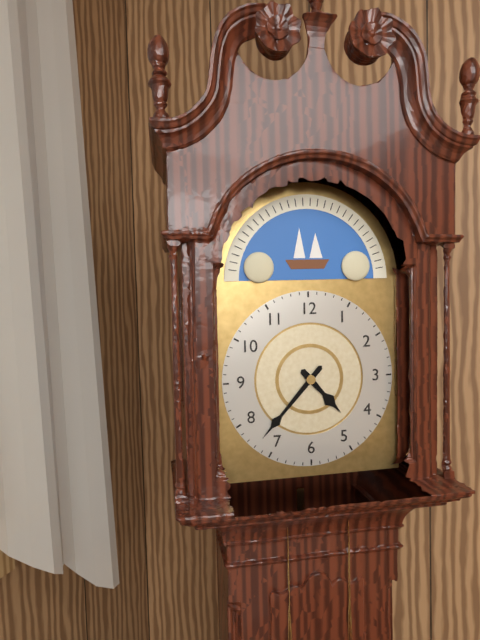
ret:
4,37
